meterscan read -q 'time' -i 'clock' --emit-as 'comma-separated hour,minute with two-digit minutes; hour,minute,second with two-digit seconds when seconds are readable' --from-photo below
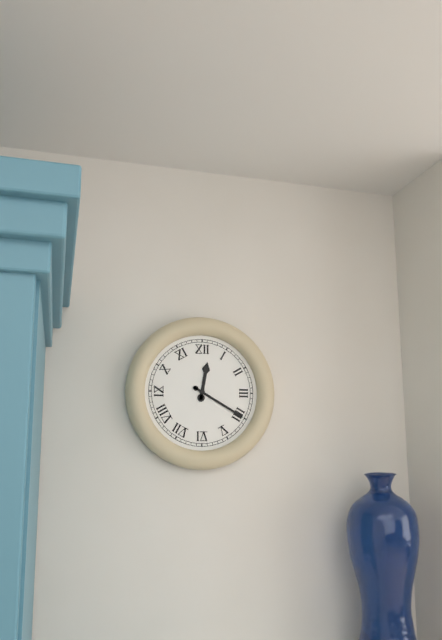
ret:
12,20
